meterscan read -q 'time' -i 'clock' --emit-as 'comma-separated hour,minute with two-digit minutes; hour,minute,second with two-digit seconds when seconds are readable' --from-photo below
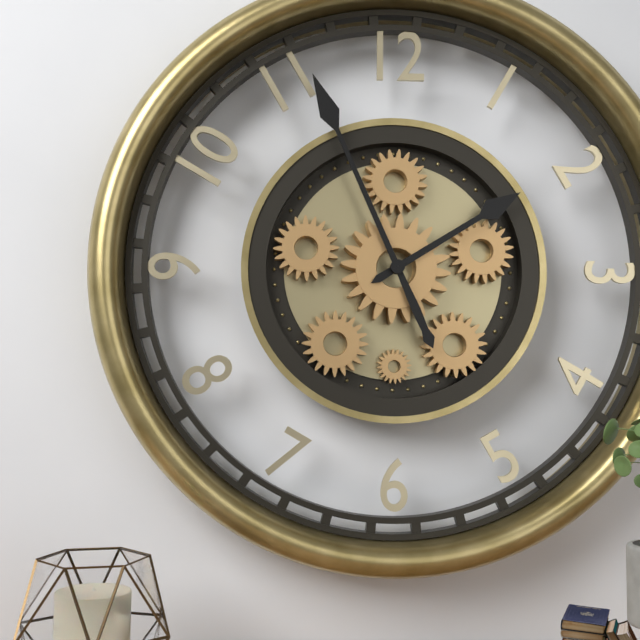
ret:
1,56
